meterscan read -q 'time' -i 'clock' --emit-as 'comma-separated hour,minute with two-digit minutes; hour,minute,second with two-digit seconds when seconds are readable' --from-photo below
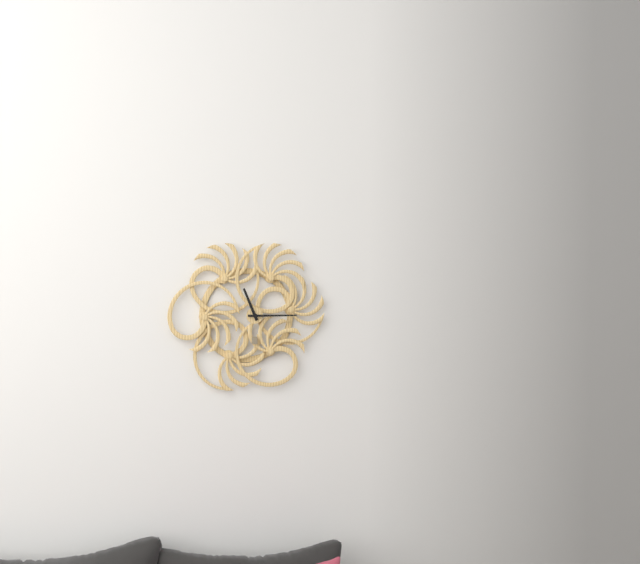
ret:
11,15
